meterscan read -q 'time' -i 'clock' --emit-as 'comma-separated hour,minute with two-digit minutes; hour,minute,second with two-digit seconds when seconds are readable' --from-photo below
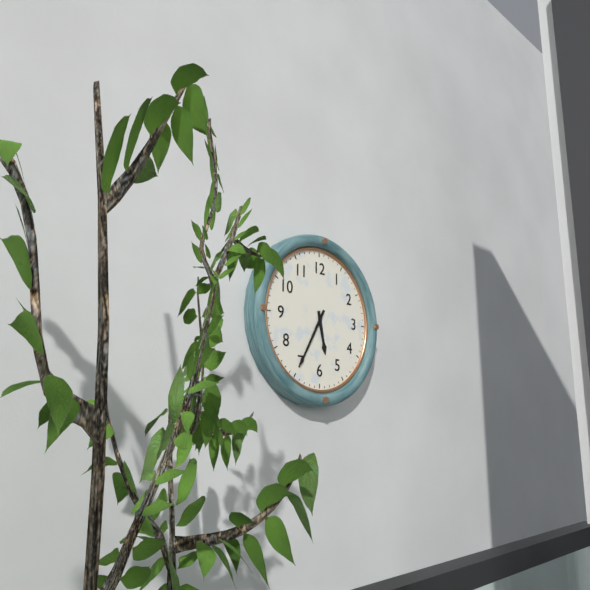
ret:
5,35
